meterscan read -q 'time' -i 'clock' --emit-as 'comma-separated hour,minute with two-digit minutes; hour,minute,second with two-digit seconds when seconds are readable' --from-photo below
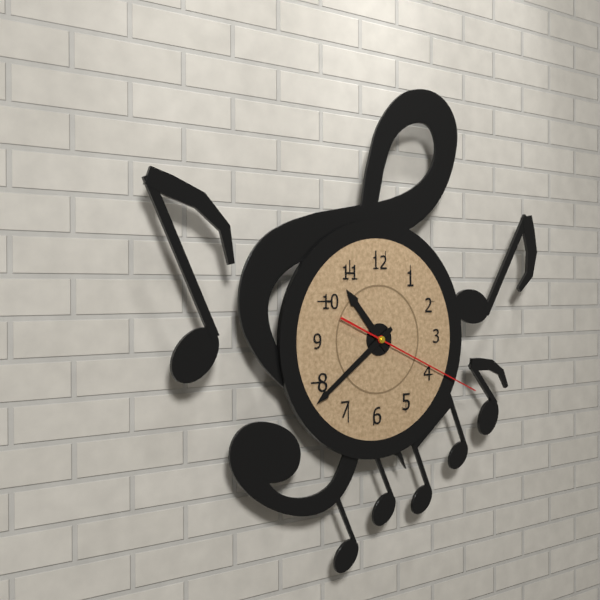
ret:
10,39,19
